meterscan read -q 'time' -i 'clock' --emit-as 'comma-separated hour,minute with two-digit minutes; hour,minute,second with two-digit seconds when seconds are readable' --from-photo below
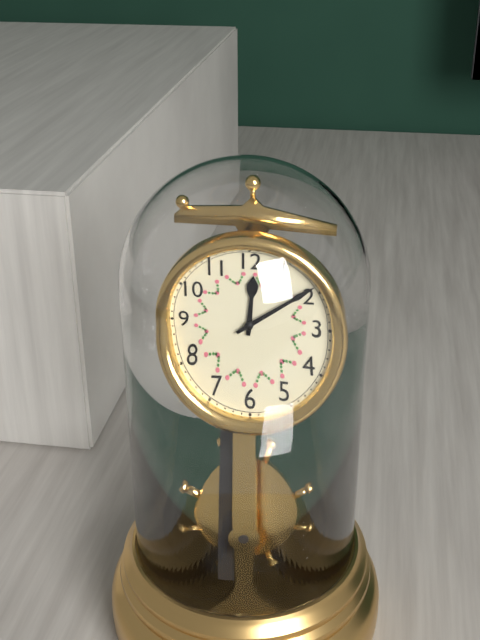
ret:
12,09
